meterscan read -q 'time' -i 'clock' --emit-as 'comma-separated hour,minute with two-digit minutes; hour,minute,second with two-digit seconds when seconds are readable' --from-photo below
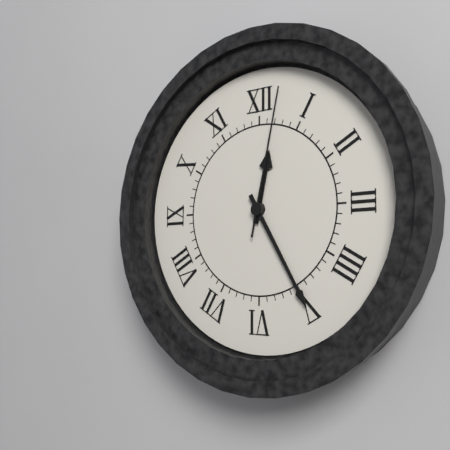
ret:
12,25,02
